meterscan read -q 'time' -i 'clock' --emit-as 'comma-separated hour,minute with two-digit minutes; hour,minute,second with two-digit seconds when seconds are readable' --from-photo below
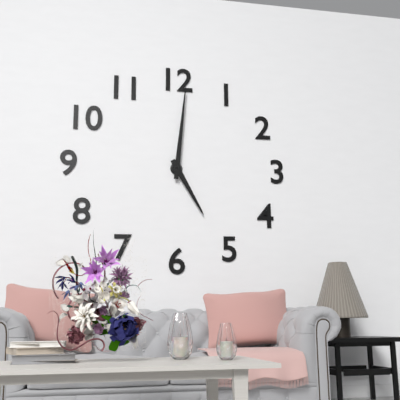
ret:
5,01
